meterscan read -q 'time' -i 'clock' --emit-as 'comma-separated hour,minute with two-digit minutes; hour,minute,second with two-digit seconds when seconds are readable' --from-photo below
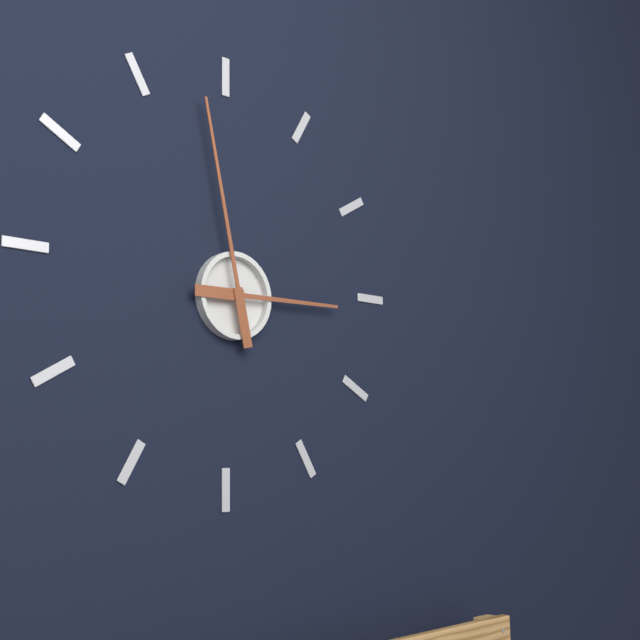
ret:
2,58
